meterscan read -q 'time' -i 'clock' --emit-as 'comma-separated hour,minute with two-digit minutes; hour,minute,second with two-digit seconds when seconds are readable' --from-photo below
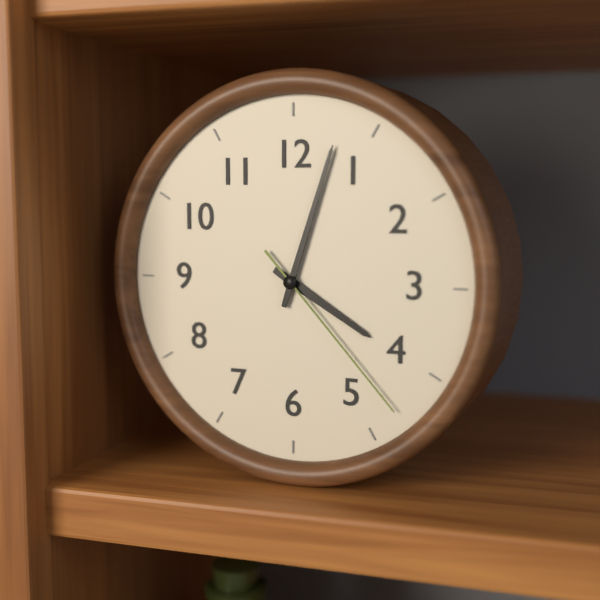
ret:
4,03,23
